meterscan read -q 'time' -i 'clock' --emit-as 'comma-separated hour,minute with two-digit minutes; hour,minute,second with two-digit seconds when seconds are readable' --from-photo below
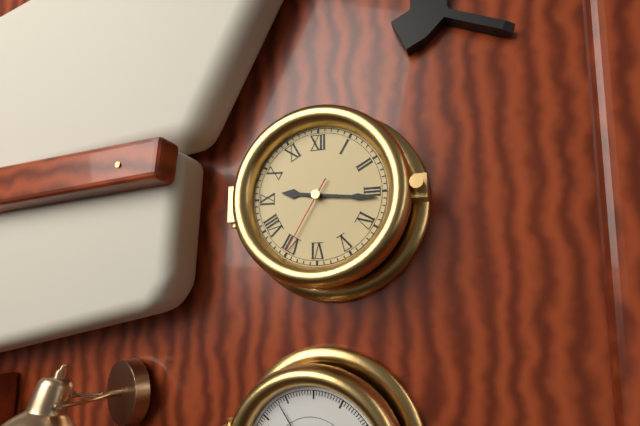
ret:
9,16,35
